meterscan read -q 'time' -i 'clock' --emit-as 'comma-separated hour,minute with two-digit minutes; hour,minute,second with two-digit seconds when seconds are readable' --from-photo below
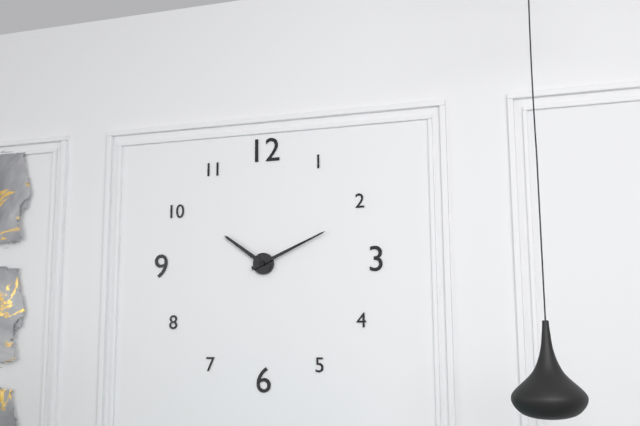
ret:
10,11
